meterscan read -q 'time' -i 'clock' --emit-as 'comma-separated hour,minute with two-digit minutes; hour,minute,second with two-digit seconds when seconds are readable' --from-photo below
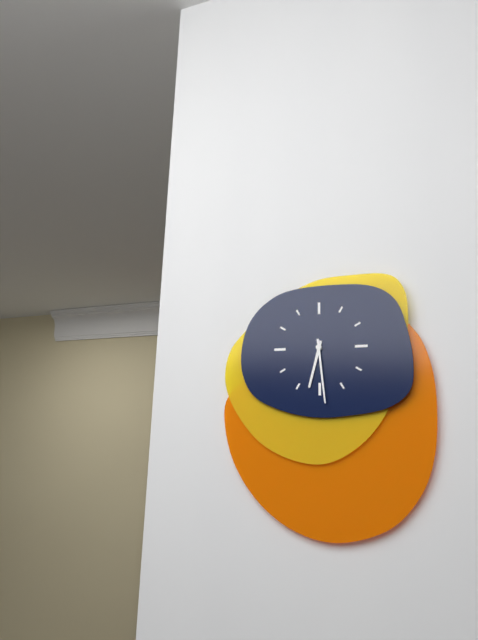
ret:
6,29
